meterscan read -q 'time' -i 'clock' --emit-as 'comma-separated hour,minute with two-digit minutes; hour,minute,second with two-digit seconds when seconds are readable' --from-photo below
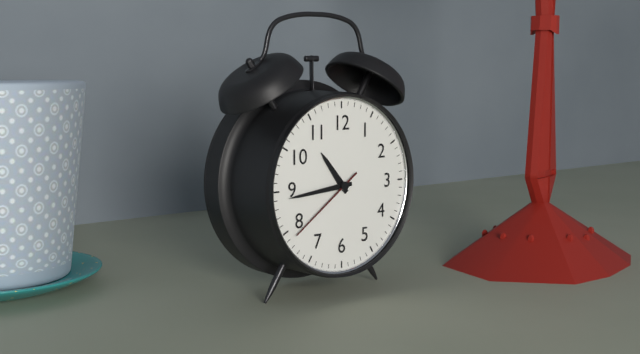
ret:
10,44,39
